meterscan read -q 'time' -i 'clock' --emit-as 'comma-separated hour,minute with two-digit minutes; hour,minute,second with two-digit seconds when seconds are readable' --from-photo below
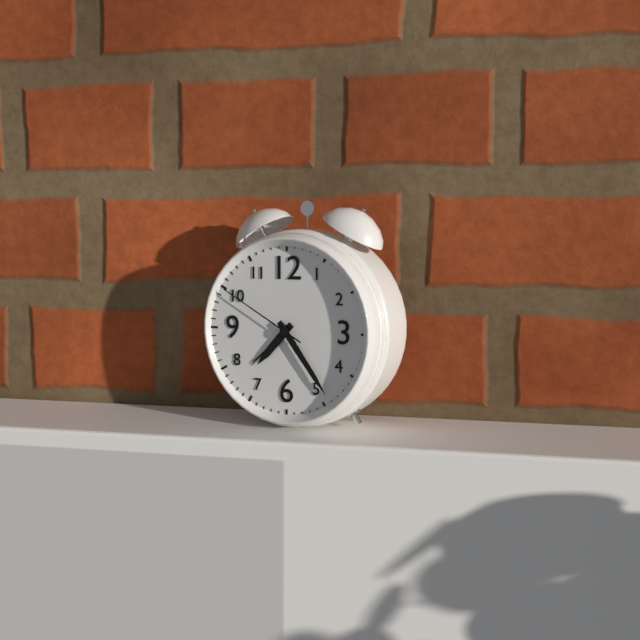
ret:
7,24,50
